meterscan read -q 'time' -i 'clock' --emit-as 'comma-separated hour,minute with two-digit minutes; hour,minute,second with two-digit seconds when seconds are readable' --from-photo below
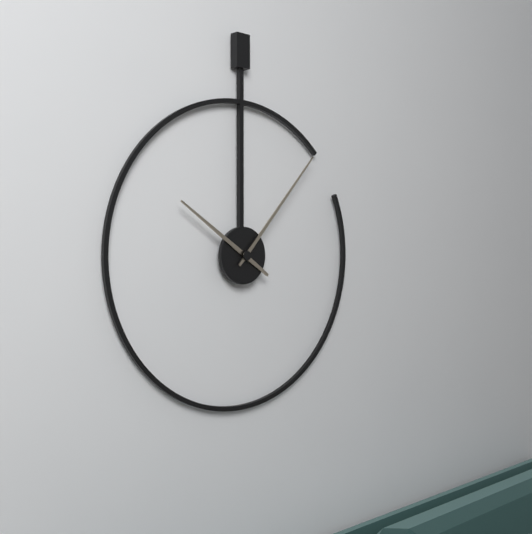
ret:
10,07
